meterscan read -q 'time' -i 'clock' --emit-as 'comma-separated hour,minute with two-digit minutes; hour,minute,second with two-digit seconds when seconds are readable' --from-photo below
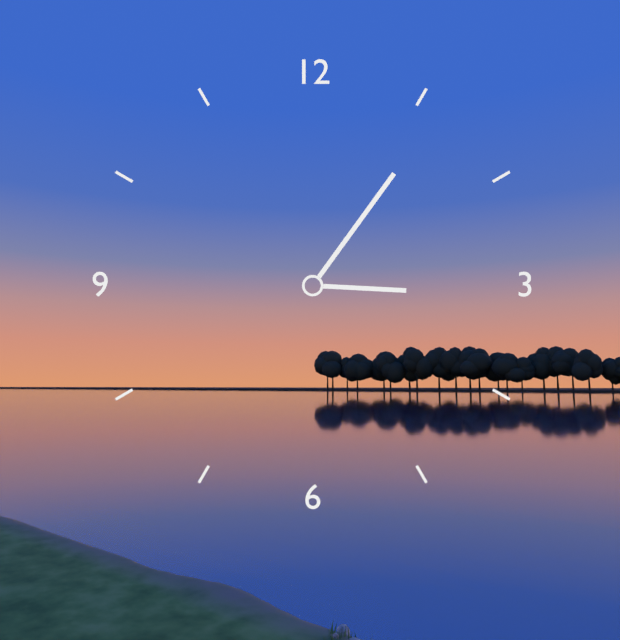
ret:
3,06
